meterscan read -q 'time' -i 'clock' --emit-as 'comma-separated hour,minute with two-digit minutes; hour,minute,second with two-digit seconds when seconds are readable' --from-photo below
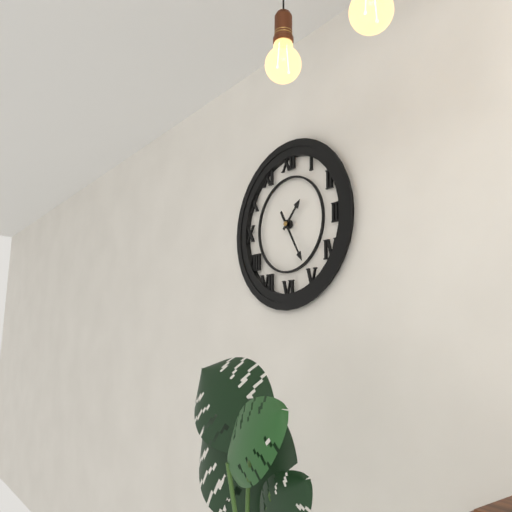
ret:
1,25
